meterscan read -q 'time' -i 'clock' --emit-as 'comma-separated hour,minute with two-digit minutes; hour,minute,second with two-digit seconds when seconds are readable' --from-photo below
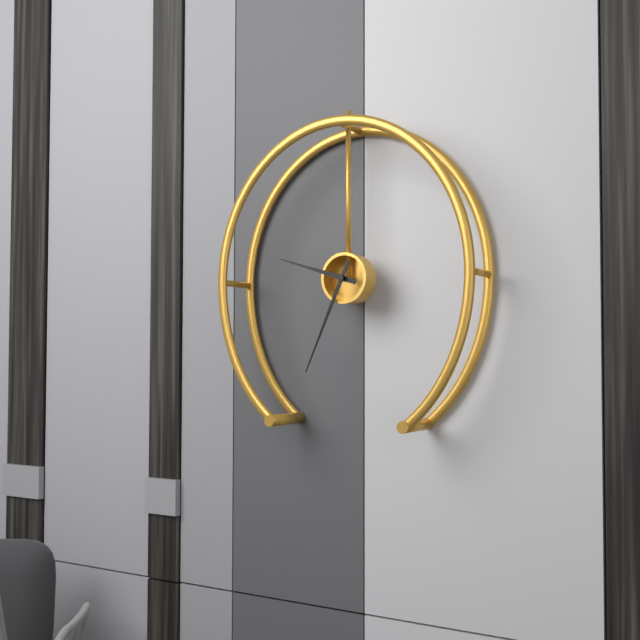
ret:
9,34
